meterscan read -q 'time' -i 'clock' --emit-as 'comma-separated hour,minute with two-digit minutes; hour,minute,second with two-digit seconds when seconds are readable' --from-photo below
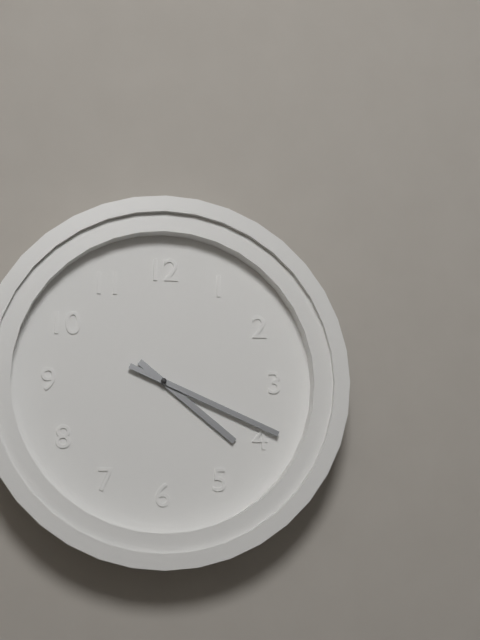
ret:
4,19
